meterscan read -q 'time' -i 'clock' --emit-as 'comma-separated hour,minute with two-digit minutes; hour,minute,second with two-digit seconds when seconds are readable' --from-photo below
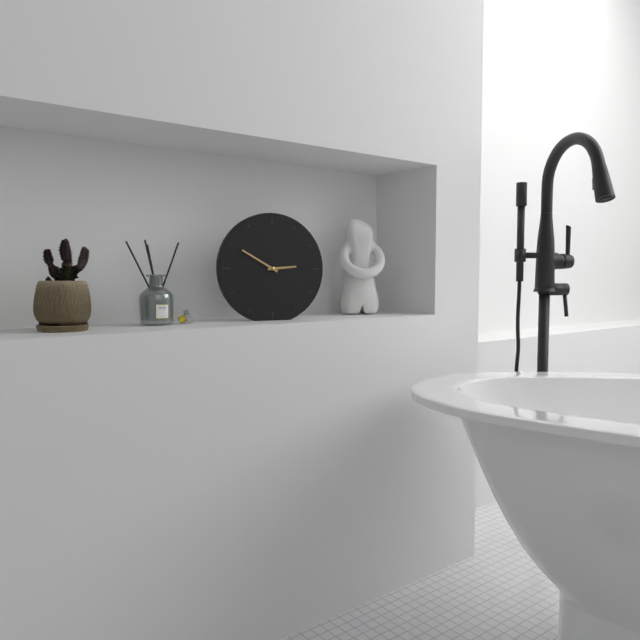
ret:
2,50
